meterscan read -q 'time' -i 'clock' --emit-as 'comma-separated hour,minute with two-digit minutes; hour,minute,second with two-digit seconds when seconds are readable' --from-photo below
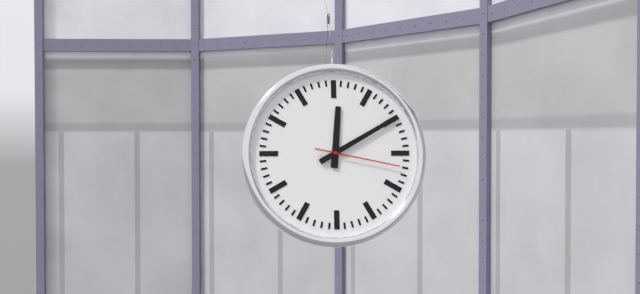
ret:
12,10,17
